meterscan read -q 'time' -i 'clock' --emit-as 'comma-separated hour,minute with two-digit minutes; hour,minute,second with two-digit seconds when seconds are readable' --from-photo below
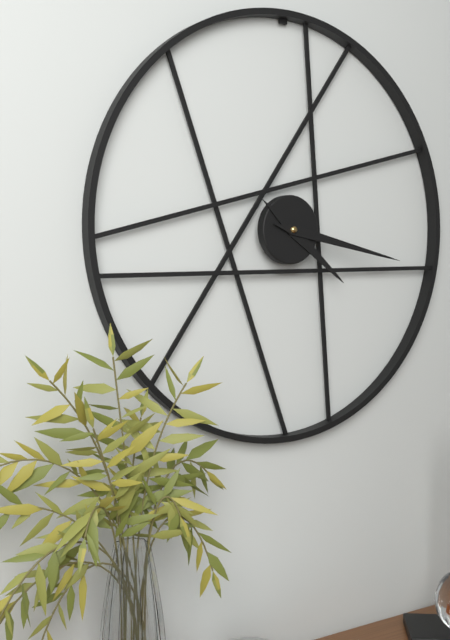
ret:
4,17
